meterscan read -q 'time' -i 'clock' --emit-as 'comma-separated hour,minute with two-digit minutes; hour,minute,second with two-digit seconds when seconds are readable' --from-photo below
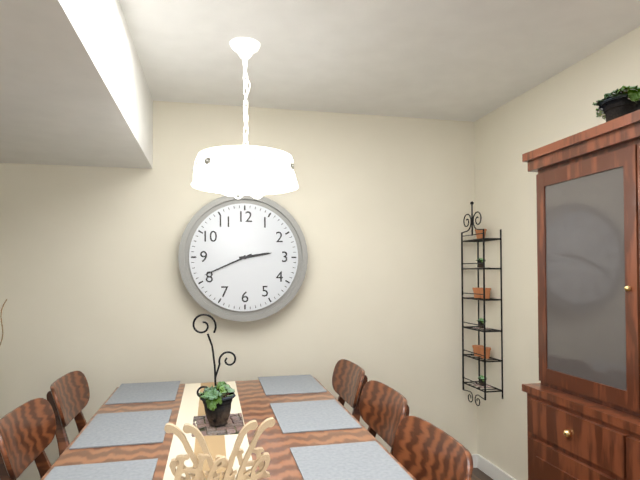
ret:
2,41
